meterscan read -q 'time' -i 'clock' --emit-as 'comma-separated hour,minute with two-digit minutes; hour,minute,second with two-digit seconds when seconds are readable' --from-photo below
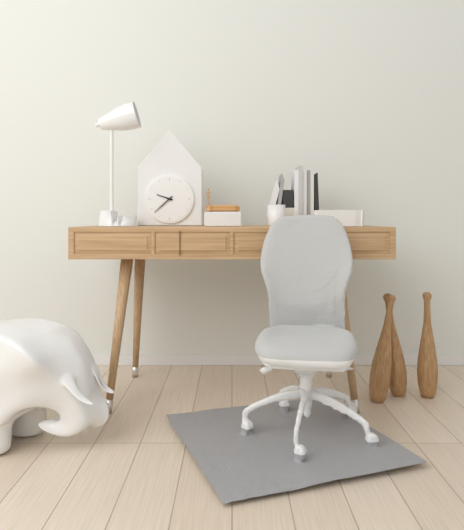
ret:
9,38
